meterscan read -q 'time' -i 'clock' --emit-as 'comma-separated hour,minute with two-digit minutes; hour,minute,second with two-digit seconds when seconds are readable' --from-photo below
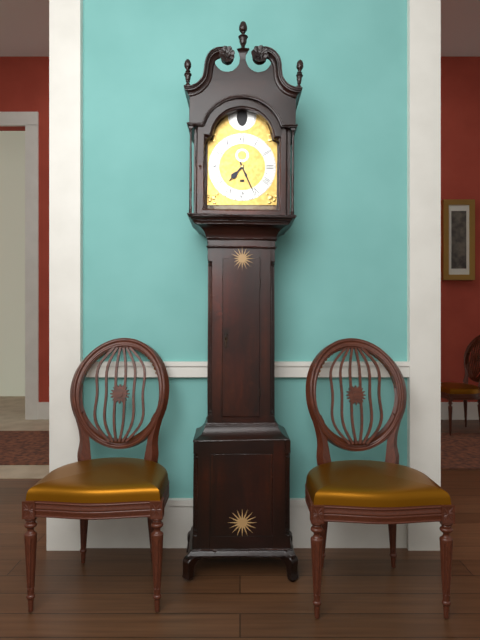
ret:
7,26
